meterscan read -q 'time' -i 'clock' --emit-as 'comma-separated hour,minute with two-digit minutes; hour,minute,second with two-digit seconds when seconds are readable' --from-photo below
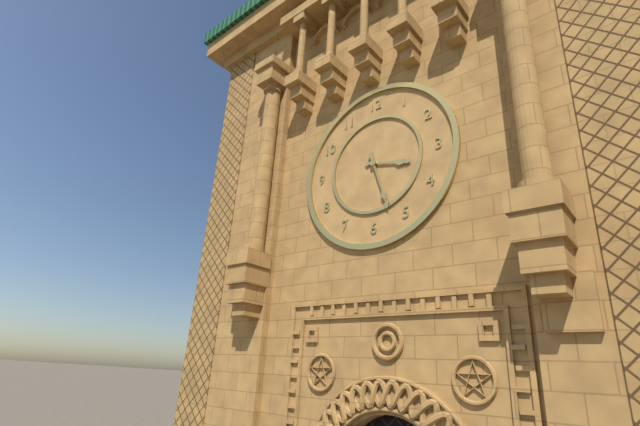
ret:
3,27
